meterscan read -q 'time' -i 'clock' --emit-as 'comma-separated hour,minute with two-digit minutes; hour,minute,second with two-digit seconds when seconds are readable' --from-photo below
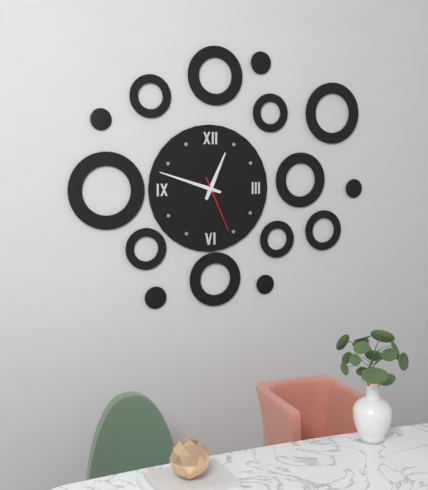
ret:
12,48,26
